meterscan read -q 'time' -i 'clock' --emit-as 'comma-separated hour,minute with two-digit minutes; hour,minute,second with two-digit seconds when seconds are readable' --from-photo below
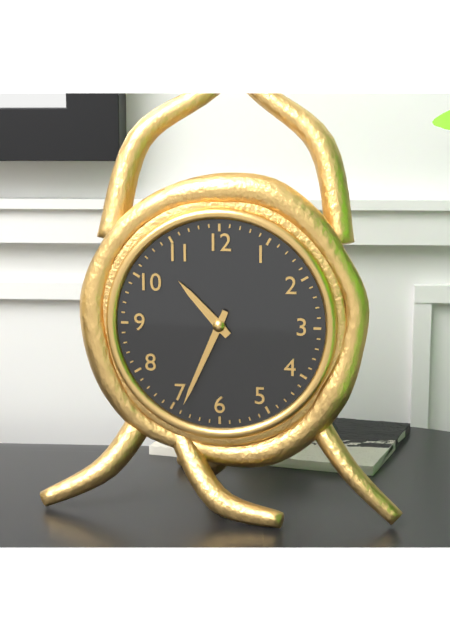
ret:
10,34
